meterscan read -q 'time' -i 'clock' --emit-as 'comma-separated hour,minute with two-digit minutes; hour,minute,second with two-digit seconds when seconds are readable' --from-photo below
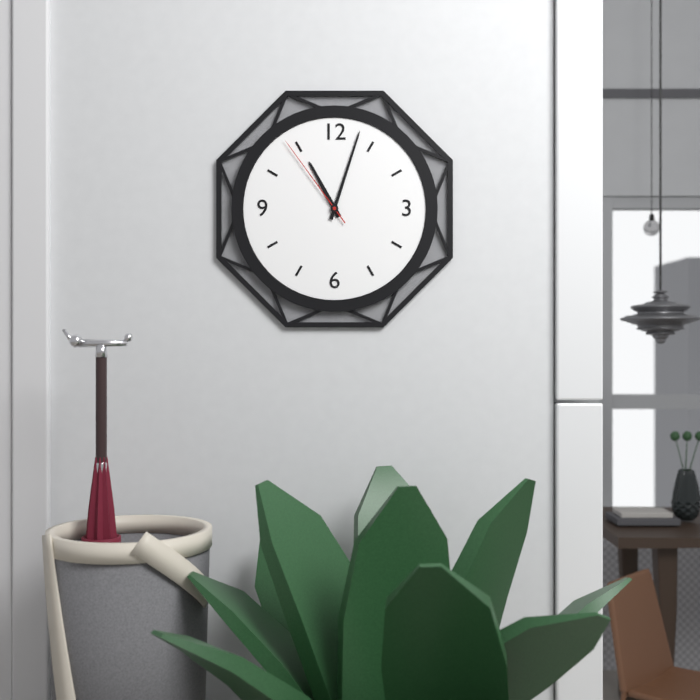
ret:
11,03,54
